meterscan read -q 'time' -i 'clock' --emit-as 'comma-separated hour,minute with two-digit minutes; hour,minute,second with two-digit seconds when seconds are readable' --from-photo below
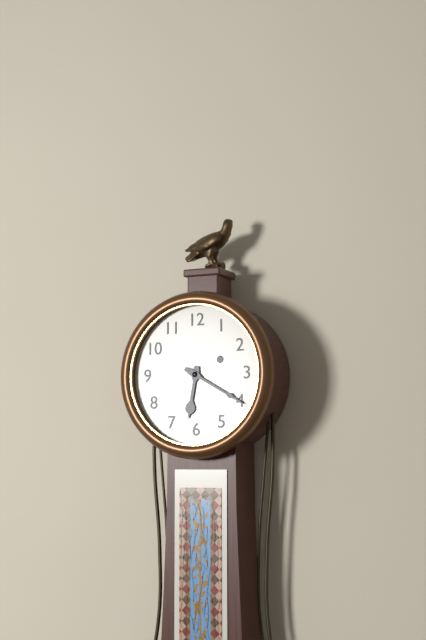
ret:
6,20
